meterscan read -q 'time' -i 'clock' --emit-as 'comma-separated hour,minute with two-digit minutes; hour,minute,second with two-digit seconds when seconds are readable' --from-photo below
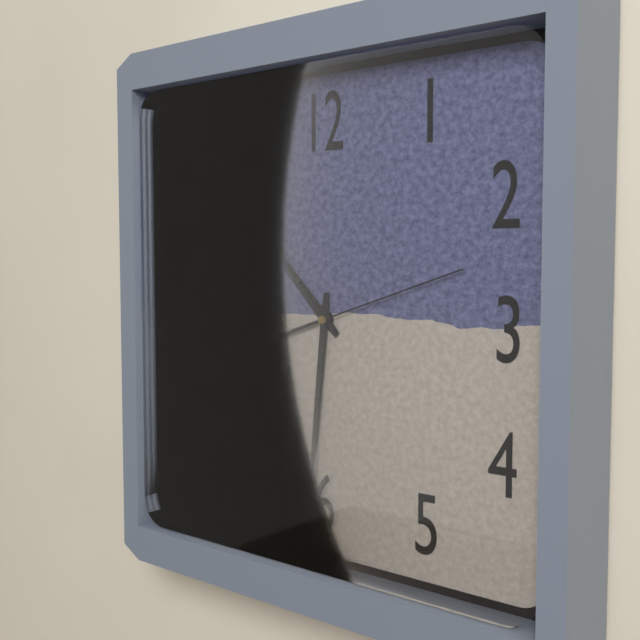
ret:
10,31,12
